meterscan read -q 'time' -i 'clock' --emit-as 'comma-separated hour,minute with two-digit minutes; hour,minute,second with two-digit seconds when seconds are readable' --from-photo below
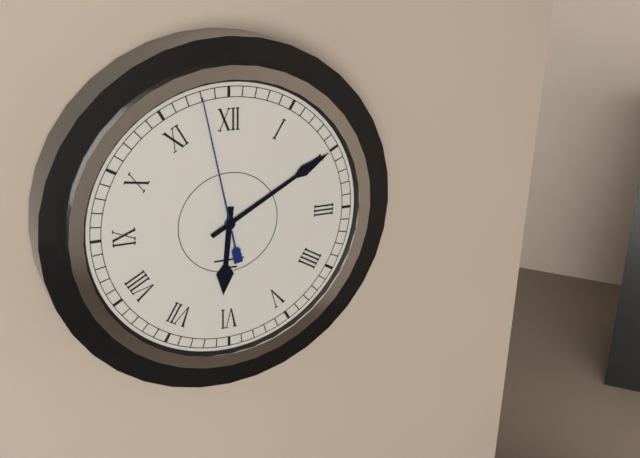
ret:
6,10,58
